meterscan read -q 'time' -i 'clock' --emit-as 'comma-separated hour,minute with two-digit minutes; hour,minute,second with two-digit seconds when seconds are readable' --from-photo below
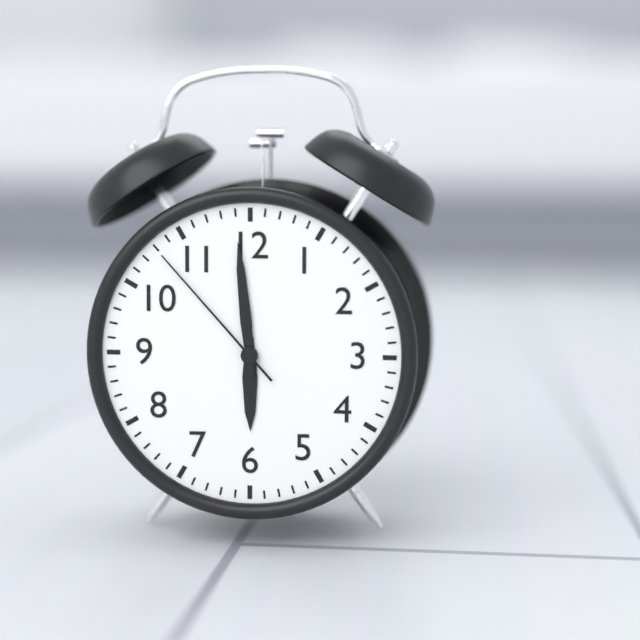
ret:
5,59,53
